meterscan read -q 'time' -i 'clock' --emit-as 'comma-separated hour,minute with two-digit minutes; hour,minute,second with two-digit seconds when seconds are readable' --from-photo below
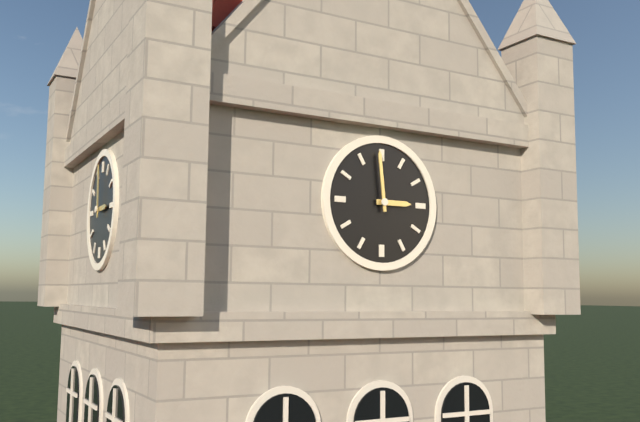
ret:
2,59
